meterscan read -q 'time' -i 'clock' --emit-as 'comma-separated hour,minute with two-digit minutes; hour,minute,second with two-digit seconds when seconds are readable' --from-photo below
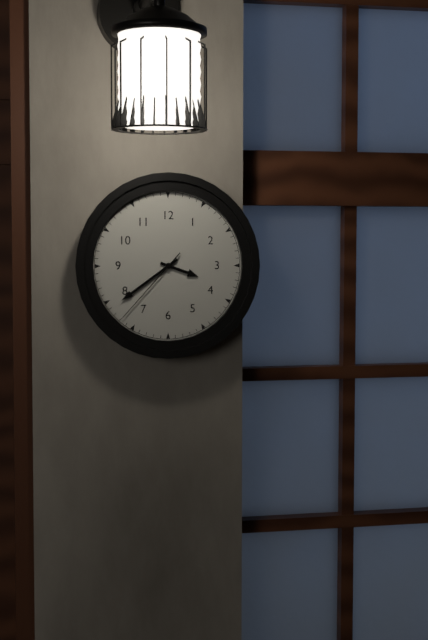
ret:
3,39,37
